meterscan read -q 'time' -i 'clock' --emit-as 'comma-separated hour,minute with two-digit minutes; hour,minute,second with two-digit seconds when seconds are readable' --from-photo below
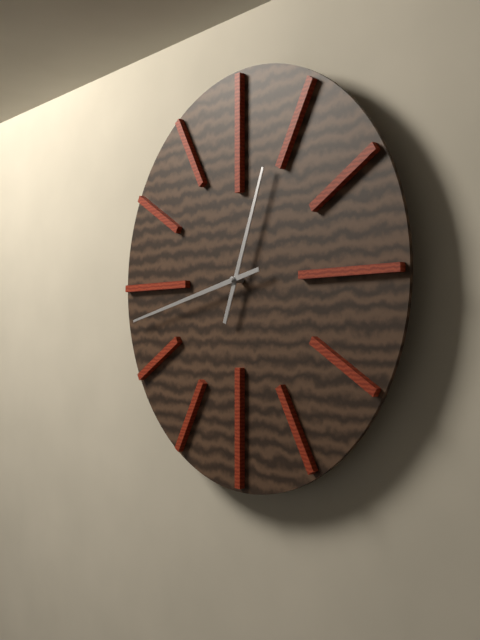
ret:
12,43
